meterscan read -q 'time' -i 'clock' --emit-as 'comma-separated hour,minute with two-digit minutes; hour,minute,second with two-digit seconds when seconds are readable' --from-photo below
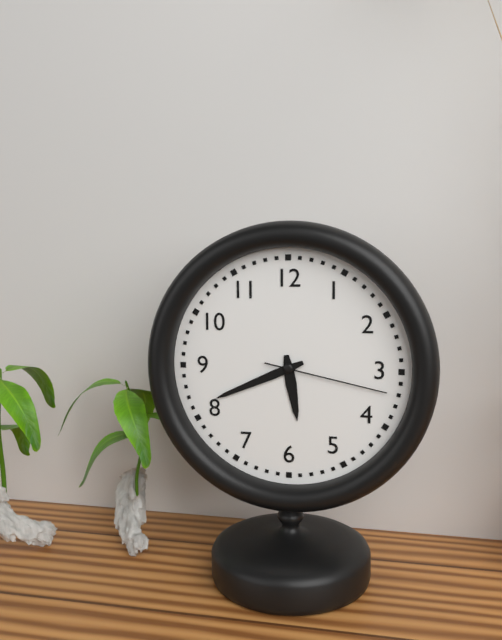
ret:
5,41,17
